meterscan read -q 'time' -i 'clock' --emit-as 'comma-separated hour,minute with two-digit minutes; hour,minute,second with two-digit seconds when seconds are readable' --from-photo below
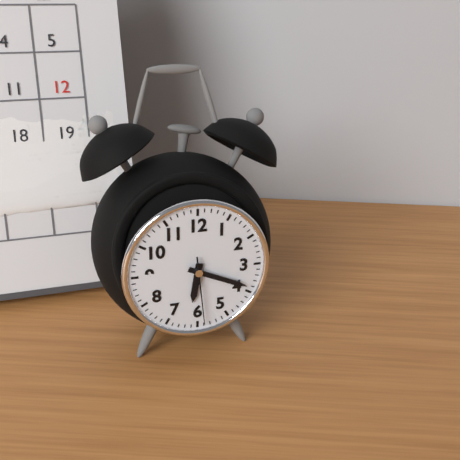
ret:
6,19,29
